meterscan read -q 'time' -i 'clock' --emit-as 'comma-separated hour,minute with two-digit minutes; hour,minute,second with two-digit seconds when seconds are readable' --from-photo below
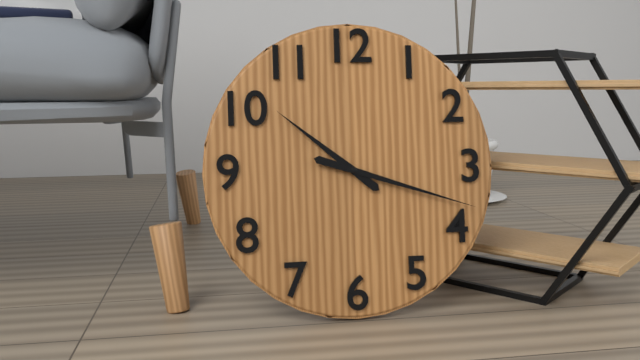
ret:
10,18
